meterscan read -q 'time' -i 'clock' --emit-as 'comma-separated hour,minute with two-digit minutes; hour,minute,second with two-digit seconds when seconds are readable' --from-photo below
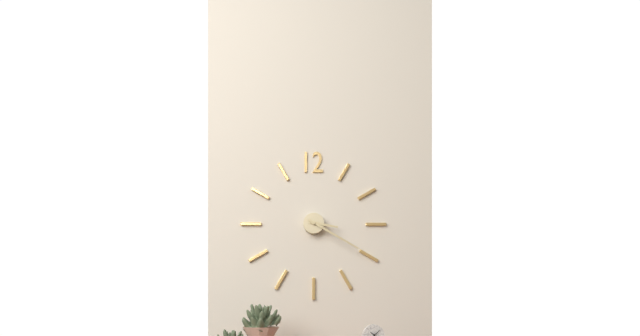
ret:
3,20
